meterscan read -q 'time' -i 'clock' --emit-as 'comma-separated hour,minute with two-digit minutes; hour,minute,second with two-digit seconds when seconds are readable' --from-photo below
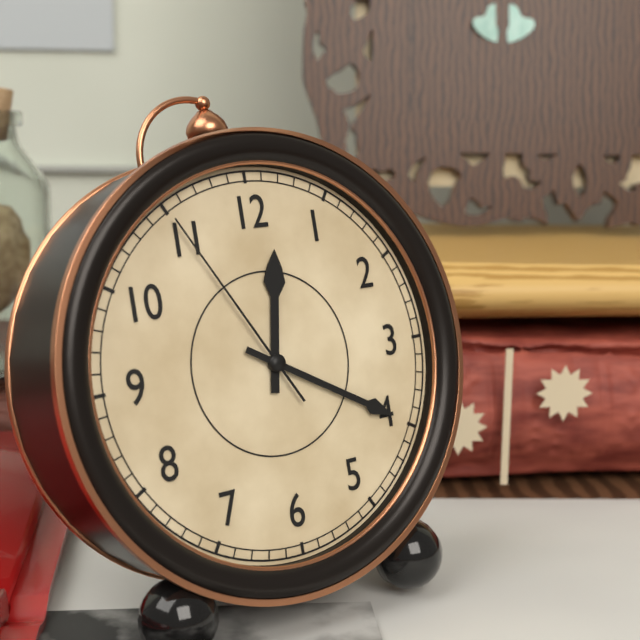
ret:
12,20,55
